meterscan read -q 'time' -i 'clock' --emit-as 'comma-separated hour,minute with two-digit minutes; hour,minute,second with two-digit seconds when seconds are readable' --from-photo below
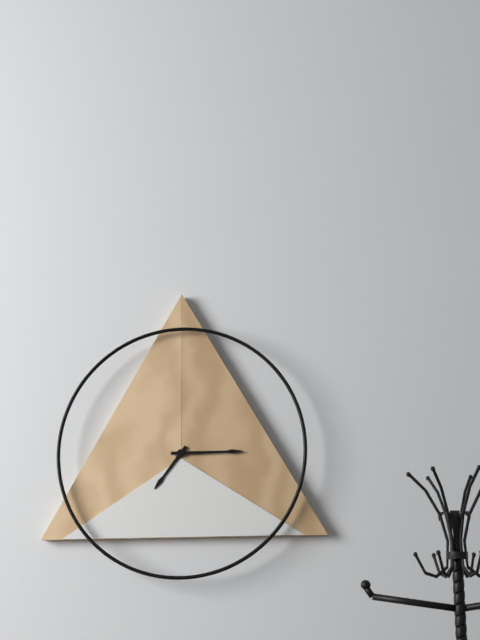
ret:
7,15
